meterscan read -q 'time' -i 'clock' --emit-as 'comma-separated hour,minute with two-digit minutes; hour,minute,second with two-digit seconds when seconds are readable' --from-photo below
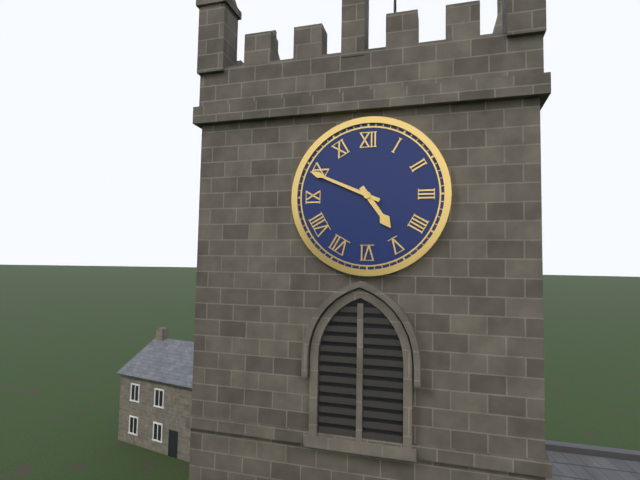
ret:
4,49
